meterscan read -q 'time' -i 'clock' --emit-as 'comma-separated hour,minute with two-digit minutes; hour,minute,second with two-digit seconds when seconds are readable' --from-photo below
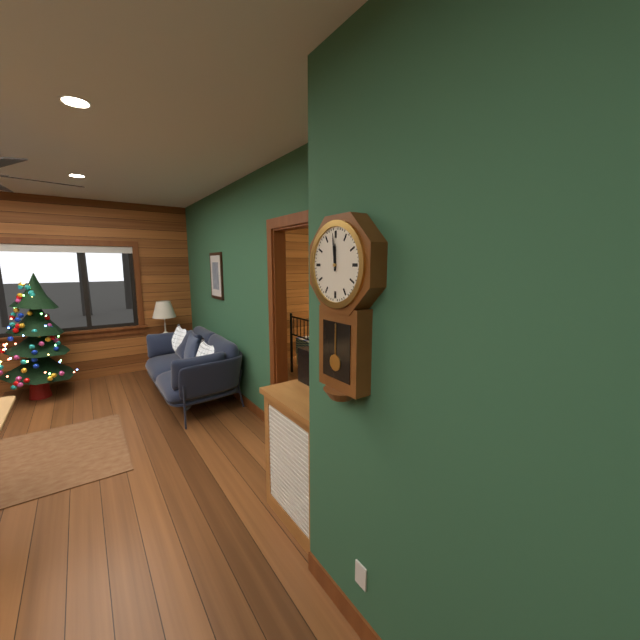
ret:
11,59
